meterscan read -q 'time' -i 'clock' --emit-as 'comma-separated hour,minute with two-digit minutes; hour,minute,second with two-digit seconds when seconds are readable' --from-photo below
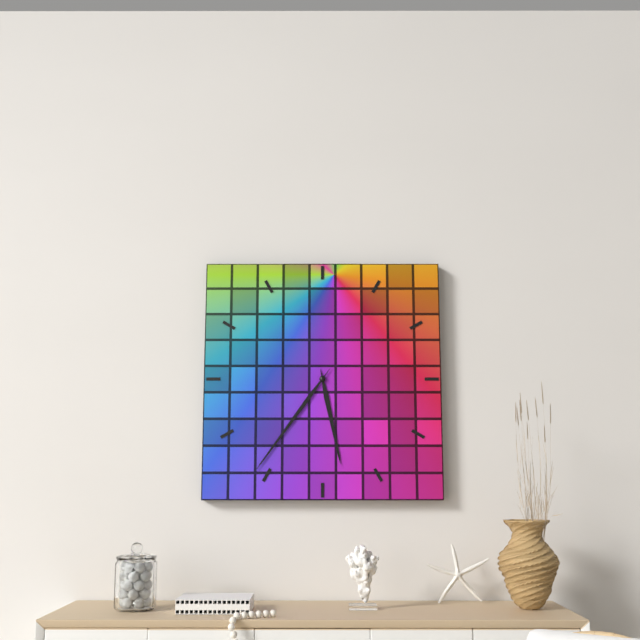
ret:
5,36
